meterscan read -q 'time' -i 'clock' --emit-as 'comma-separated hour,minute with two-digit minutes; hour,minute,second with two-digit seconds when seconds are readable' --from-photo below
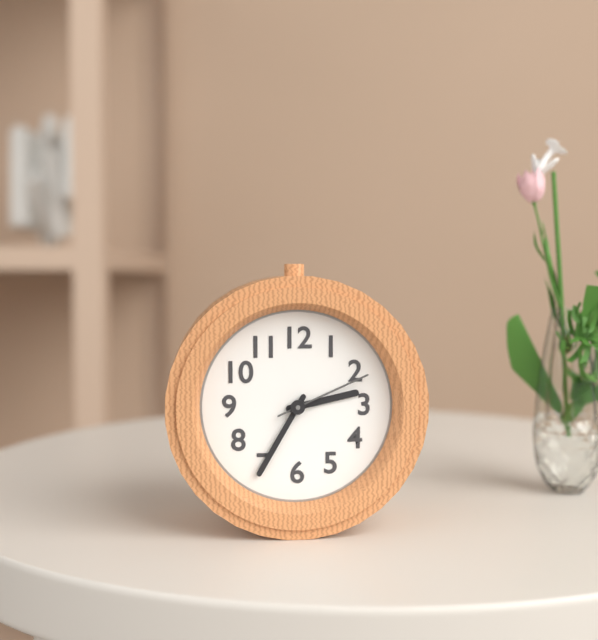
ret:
2,35,11
